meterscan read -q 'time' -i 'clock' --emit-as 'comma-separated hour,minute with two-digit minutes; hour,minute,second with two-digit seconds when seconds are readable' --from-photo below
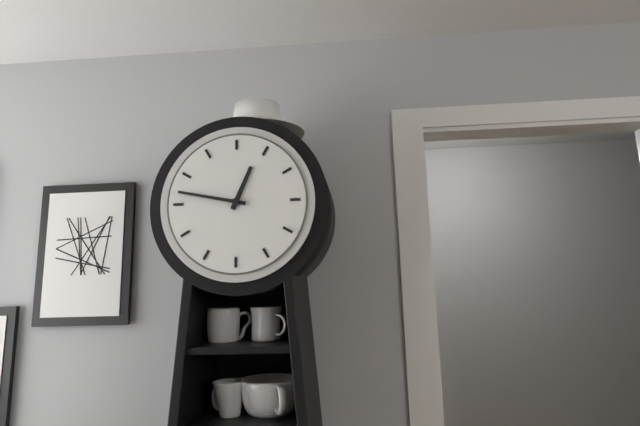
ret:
12,47
